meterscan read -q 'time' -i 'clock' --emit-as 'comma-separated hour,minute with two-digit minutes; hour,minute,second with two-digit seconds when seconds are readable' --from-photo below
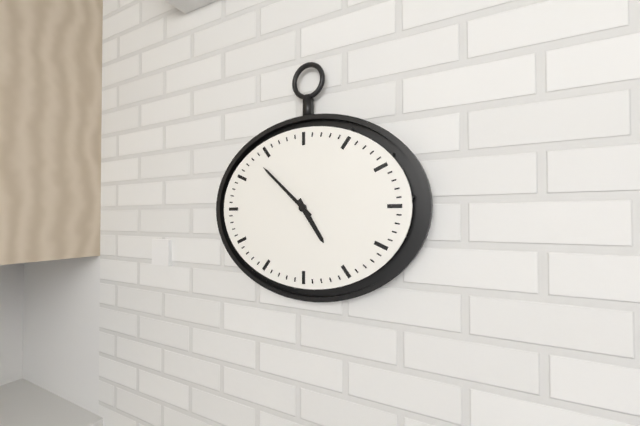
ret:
4,52
